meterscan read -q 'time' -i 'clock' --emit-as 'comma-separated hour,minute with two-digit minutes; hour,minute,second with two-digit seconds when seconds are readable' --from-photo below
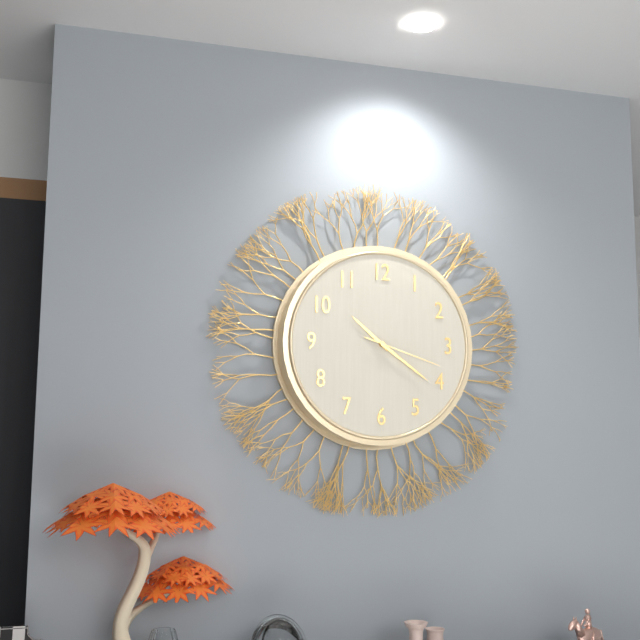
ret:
10,21,18
